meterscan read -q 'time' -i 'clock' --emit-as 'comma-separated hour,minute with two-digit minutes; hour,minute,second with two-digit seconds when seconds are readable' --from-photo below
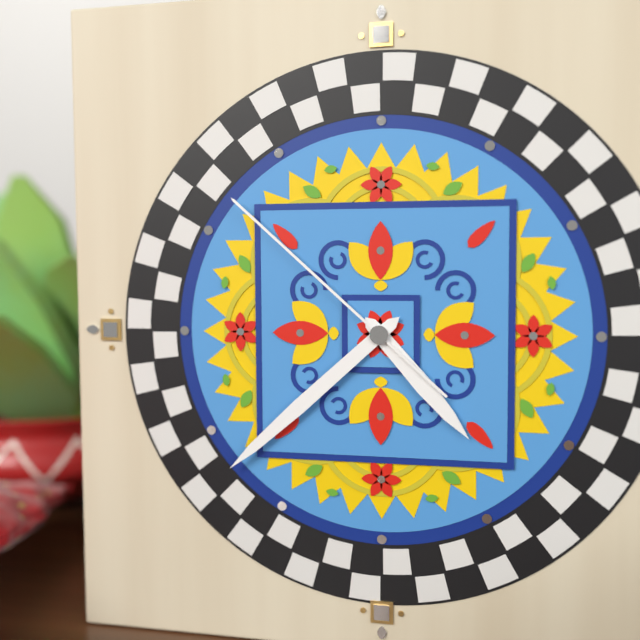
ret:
4,38,52
